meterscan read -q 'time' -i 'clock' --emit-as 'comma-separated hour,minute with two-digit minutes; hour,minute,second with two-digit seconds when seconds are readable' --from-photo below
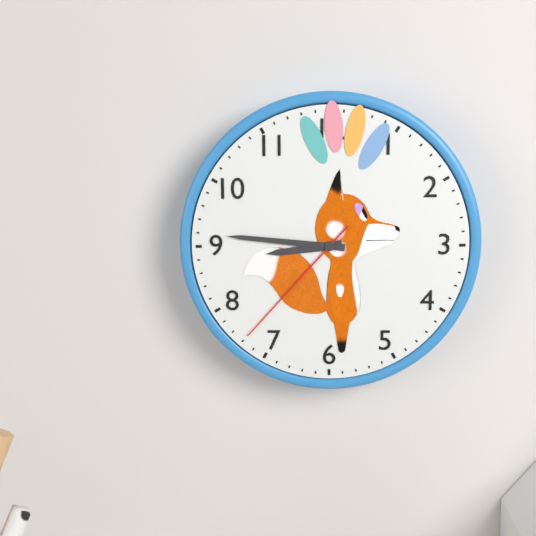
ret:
8,46,37
